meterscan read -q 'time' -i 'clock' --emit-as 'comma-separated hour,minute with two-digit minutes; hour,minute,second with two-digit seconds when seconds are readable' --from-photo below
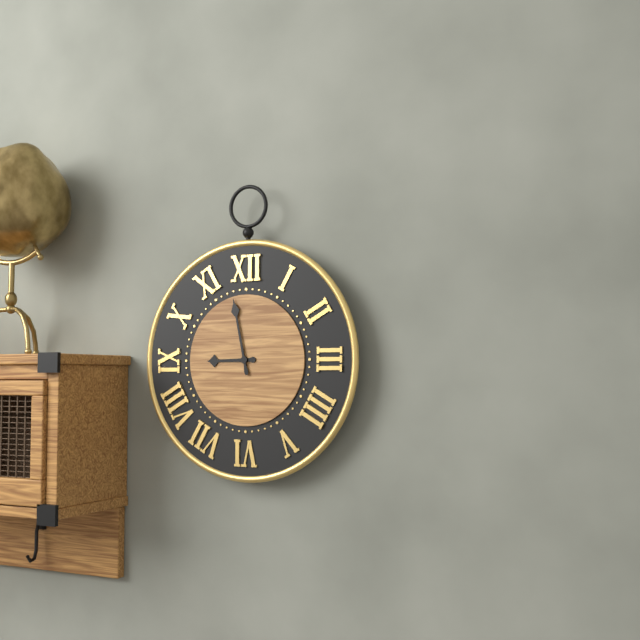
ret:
8,58
